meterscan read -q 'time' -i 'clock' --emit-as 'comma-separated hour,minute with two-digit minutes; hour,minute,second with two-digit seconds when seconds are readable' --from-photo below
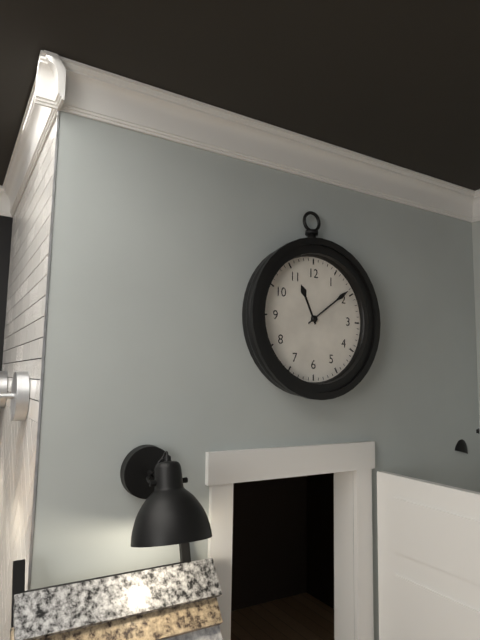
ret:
11,09
